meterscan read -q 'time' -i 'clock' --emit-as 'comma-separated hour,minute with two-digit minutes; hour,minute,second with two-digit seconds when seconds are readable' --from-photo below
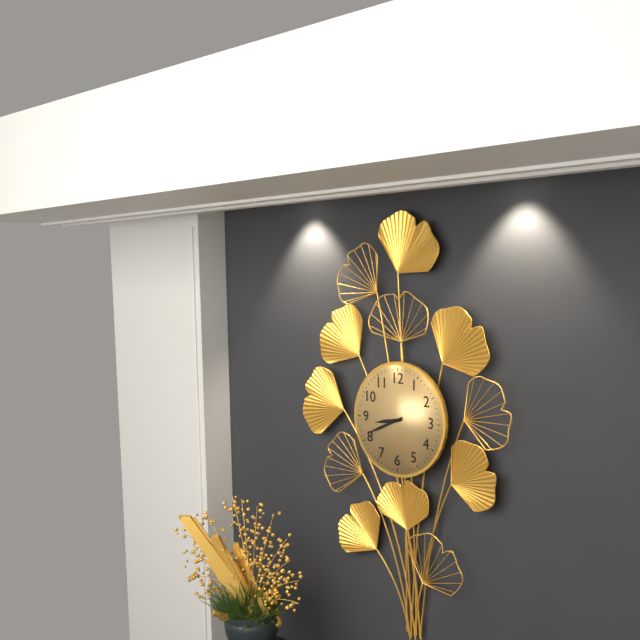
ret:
8,41
